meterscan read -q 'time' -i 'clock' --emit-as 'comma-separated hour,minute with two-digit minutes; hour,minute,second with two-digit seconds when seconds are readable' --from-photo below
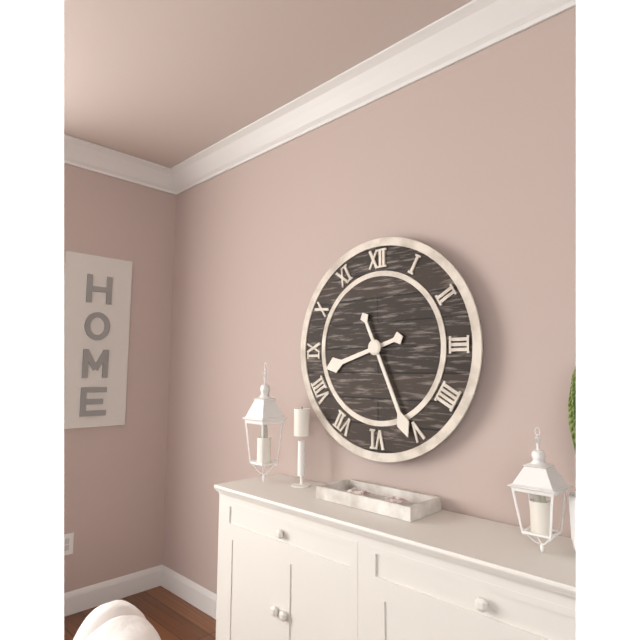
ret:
8,26
